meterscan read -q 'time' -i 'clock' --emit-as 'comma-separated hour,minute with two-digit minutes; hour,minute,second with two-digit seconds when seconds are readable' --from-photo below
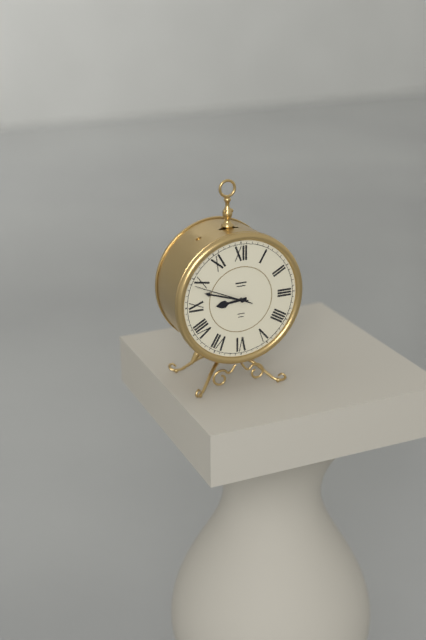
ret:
8,48,49
